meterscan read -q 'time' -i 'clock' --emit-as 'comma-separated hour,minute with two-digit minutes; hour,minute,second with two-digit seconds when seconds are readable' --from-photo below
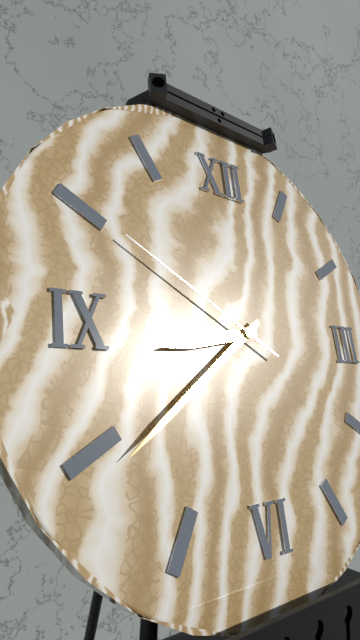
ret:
8,39,50
